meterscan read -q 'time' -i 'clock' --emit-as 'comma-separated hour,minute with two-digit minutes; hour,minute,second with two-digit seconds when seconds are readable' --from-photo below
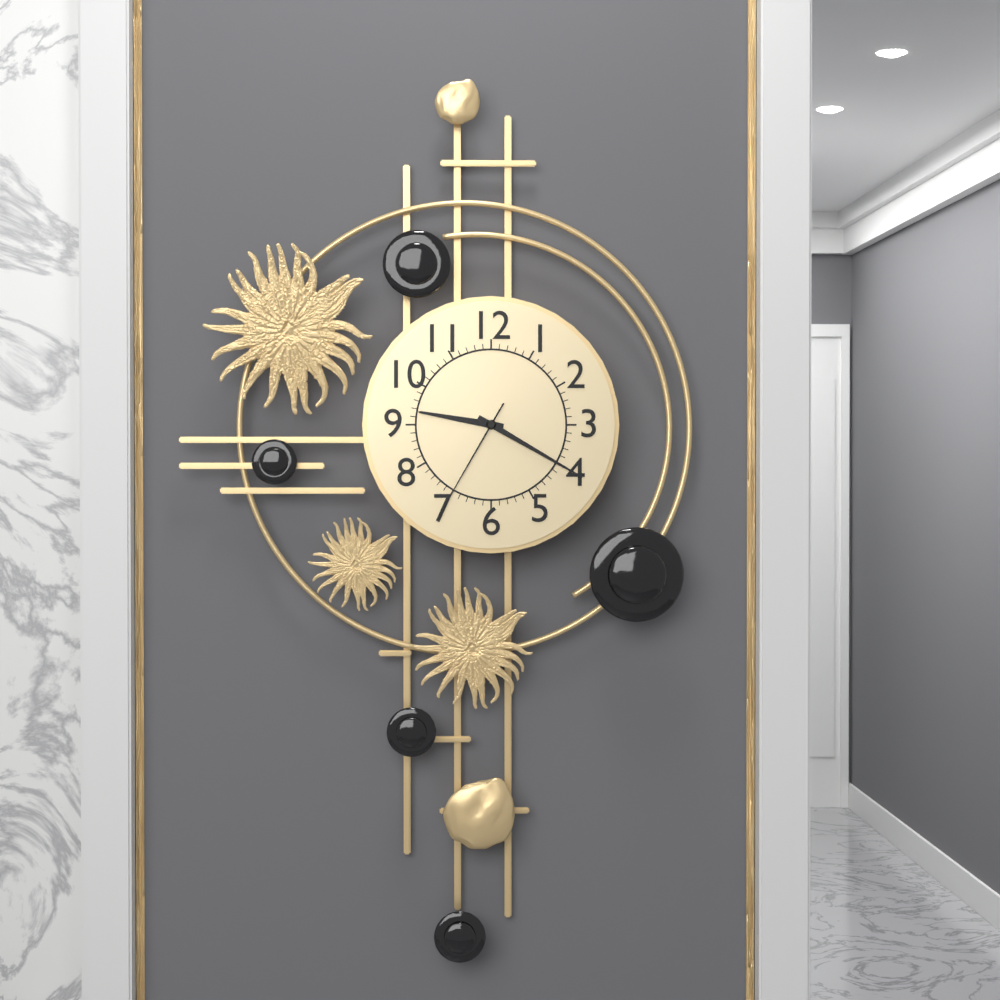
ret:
9,20,35
